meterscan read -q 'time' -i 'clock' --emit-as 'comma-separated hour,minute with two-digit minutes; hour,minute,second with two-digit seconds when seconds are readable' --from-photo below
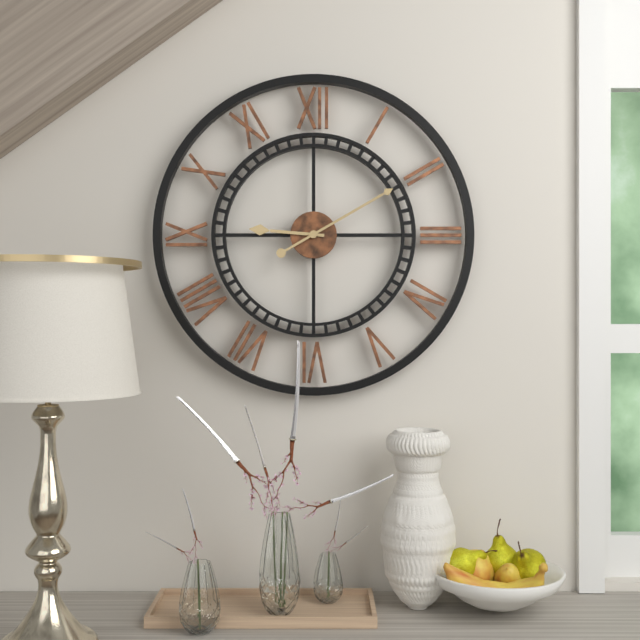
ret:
9,10
